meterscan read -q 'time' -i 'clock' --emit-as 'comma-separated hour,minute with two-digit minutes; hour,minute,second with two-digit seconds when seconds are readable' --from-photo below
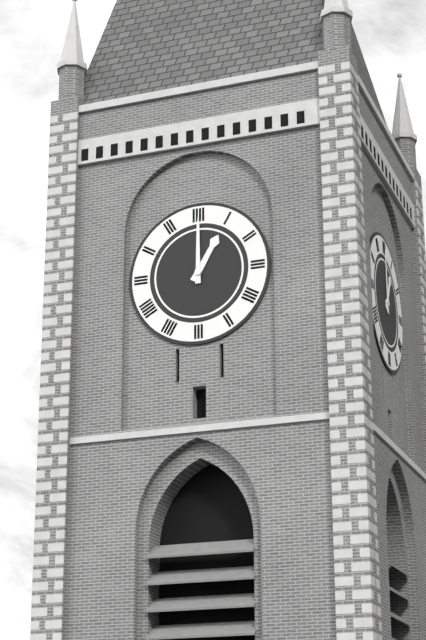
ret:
1,00
